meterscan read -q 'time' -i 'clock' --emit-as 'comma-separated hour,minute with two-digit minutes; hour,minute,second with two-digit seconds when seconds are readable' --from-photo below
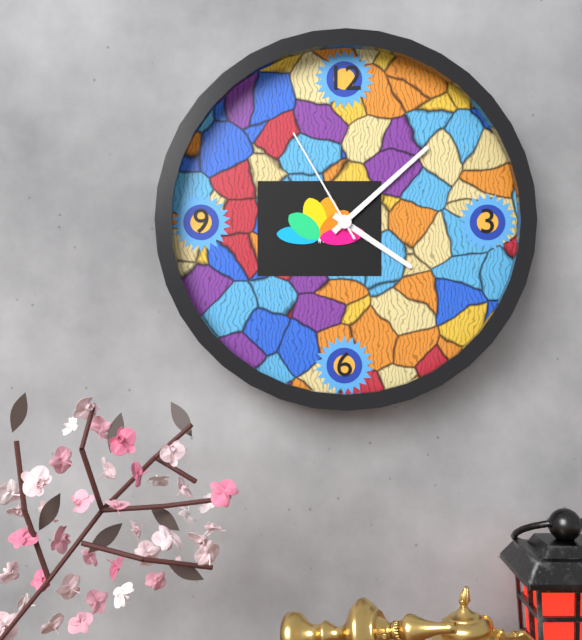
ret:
4,08,55
